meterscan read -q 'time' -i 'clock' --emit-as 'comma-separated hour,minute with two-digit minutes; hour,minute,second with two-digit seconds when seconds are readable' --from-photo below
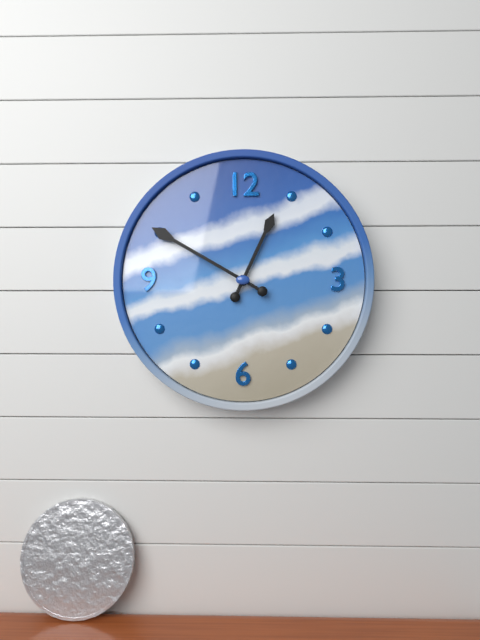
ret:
12,50
